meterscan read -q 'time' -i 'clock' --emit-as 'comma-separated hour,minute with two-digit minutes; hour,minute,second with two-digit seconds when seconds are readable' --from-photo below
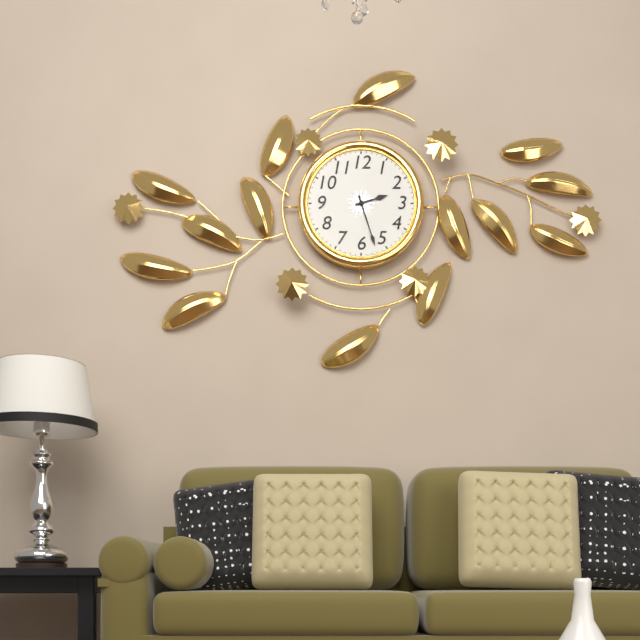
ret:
2,27
